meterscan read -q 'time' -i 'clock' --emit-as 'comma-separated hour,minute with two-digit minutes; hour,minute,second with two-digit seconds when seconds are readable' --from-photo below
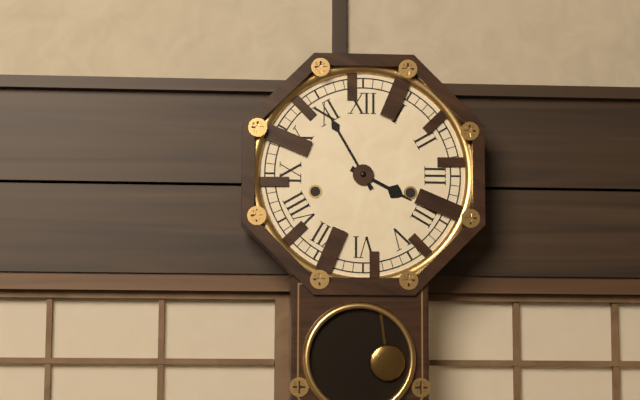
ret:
3,55
